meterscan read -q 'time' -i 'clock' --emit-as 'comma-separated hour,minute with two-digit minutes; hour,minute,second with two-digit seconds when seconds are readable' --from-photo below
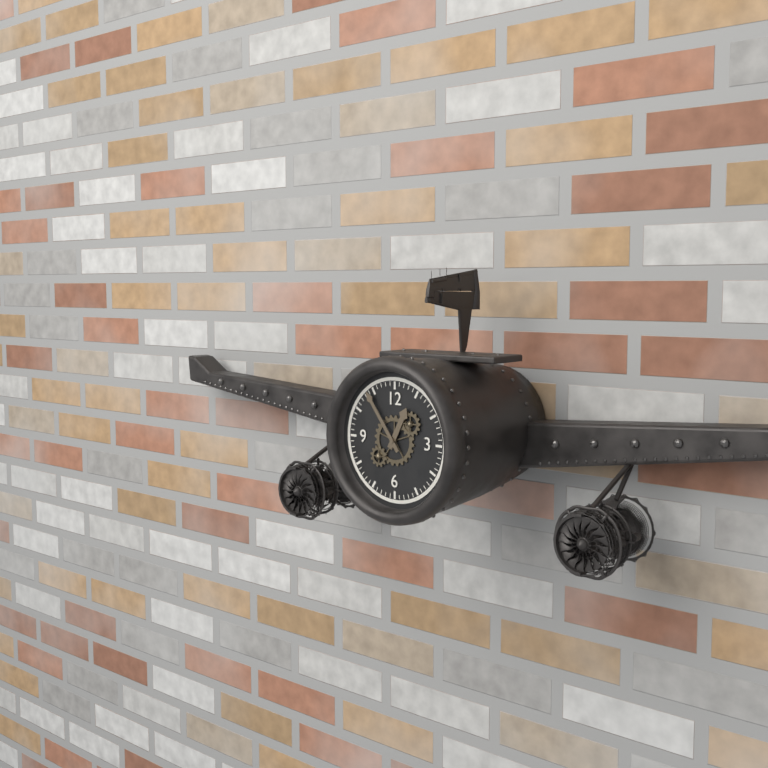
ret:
12,54
